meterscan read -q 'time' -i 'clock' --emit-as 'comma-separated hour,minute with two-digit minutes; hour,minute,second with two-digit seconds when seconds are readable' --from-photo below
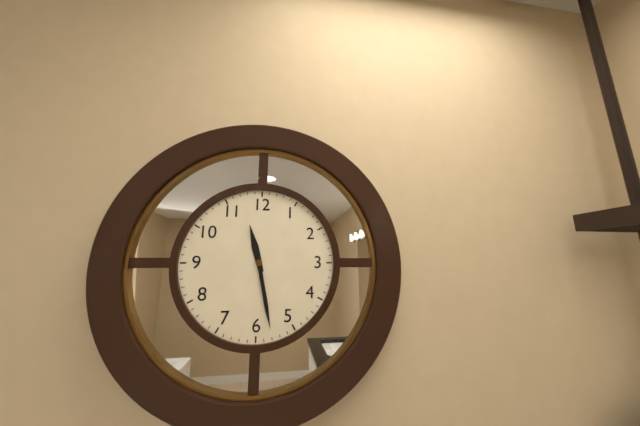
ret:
11,28
